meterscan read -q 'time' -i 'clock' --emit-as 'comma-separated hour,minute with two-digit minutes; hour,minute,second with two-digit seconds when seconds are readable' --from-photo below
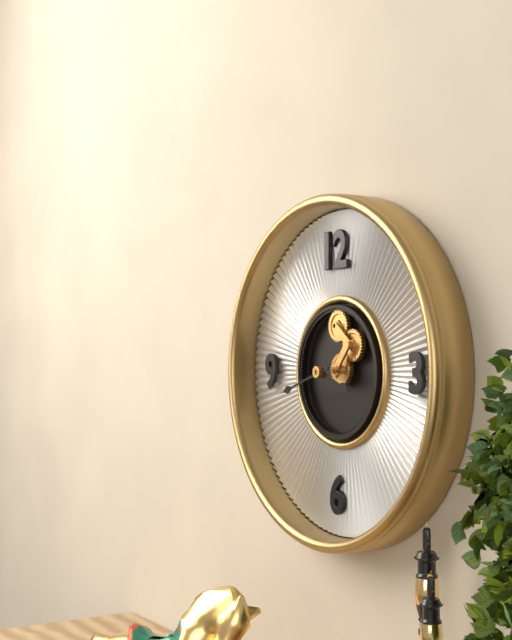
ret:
3,42
